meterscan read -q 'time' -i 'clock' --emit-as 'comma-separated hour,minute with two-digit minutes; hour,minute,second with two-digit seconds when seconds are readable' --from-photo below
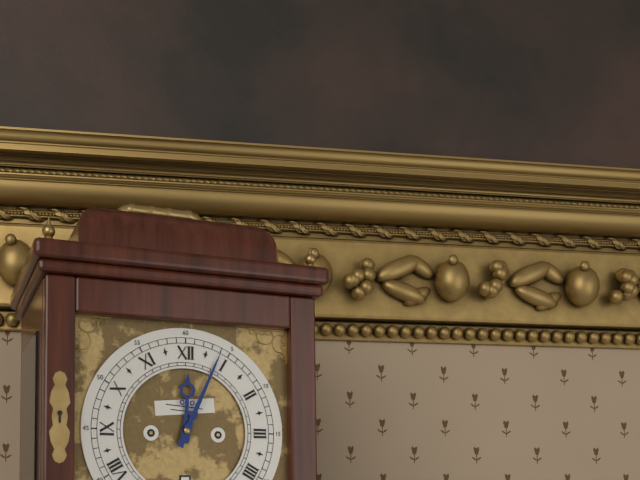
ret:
12,04
